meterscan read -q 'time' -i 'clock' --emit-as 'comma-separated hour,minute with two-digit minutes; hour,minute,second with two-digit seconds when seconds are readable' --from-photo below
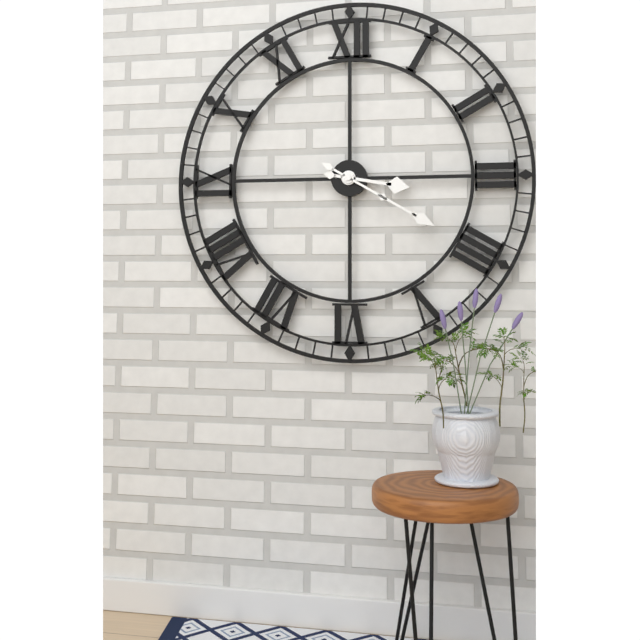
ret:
3,20
